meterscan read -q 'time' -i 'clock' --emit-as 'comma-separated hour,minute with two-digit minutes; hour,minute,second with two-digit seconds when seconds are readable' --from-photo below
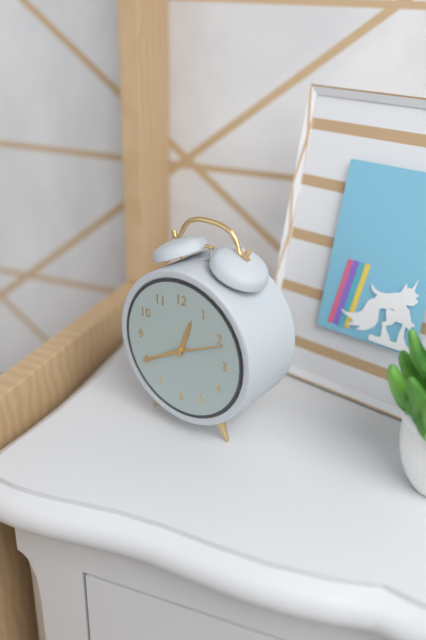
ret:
12,40,11
